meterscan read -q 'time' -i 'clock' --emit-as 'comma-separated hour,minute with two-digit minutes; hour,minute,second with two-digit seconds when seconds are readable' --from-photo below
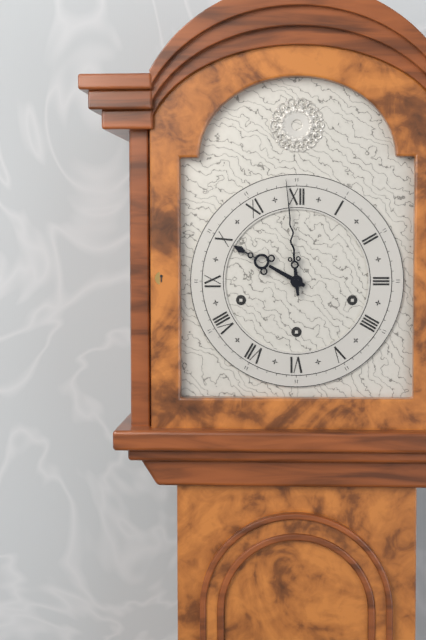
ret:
9,59
